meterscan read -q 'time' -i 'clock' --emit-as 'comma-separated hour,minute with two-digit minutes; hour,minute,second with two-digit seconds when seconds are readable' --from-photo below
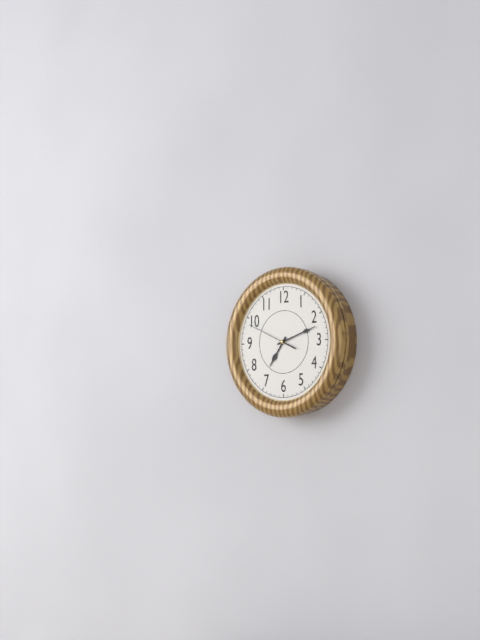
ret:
7,12
